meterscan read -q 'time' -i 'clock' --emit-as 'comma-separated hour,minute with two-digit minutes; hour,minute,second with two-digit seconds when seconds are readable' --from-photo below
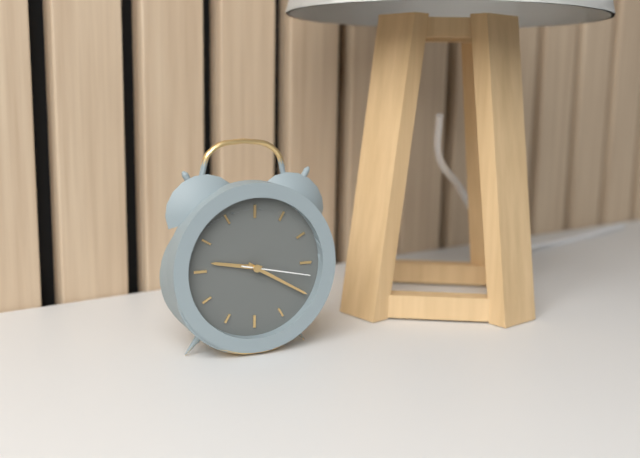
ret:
9,20,17
